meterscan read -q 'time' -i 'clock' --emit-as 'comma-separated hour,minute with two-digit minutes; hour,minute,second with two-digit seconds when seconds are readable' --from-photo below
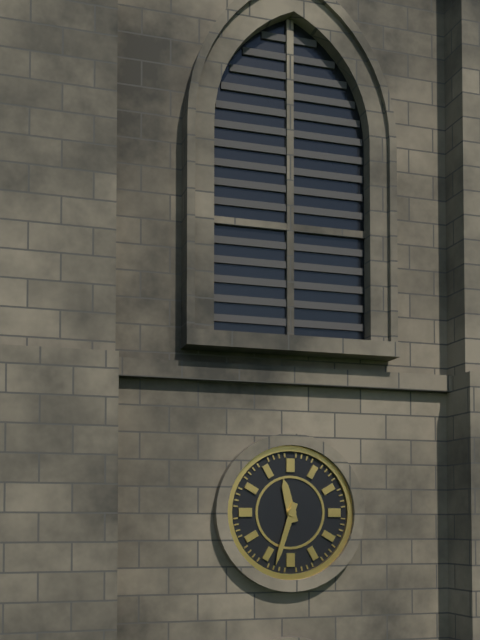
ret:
11,33
